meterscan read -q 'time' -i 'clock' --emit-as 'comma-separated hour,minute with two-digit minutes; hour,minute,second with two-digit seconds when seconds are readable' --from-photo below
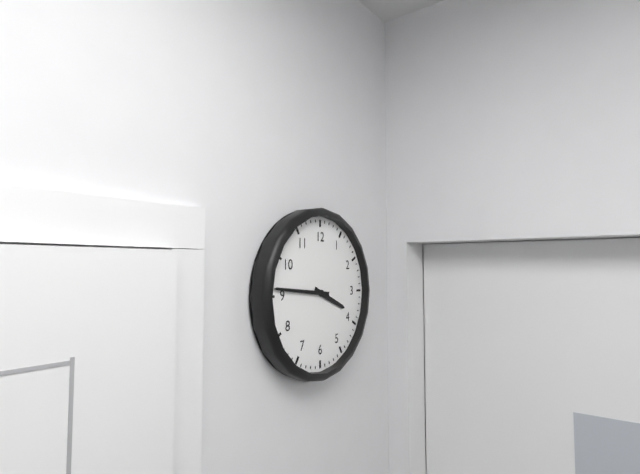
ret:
3,46
